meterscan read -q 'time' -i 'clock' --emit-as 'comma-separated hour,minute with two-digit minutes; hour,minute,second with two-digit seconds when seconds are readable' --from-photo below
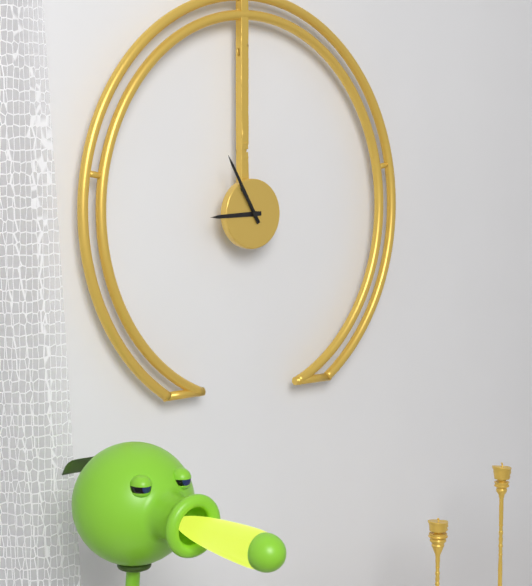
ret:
8,55
